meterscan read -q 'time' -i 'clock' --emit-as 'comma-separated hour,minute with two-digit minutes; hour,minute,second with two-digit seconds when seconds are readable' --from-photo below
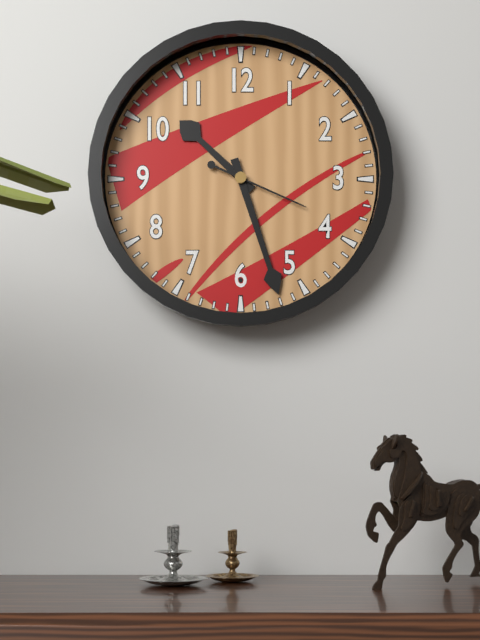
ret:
10,27,19
